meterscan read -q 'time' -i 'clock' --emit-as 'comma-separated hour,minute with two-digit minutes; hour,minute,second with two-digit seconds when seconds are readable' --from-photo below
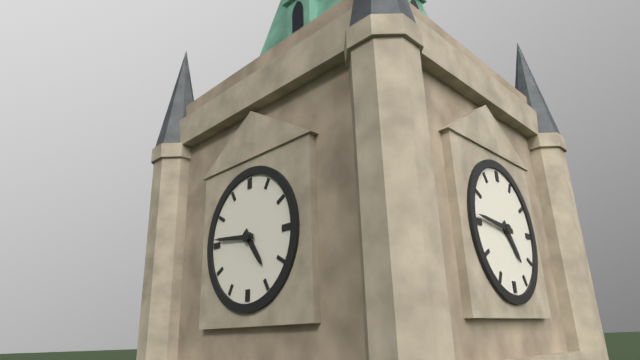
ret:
4,46
